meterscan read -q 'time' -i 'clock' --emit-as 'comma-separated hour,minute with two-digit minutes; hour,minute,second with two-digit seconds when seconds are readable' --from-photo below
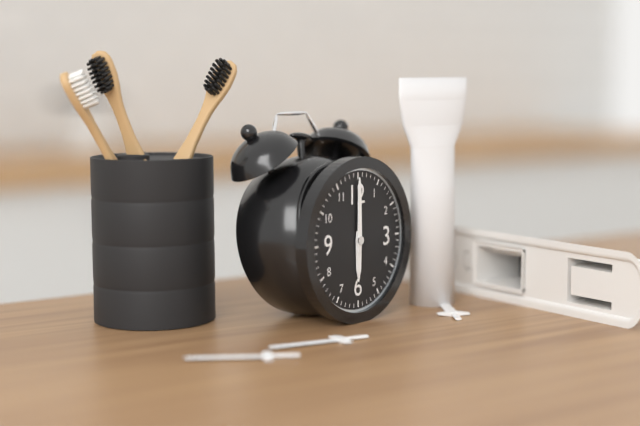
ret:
6,00
